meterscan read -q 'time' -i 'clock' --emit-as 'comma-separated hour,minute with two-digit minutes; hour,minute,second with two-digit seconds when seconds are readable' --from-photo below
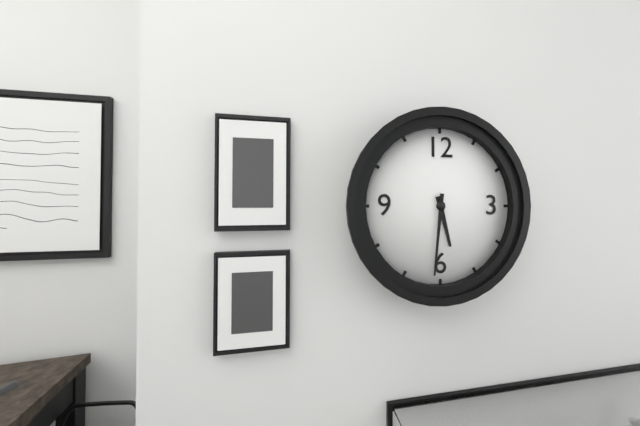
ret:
5,31
